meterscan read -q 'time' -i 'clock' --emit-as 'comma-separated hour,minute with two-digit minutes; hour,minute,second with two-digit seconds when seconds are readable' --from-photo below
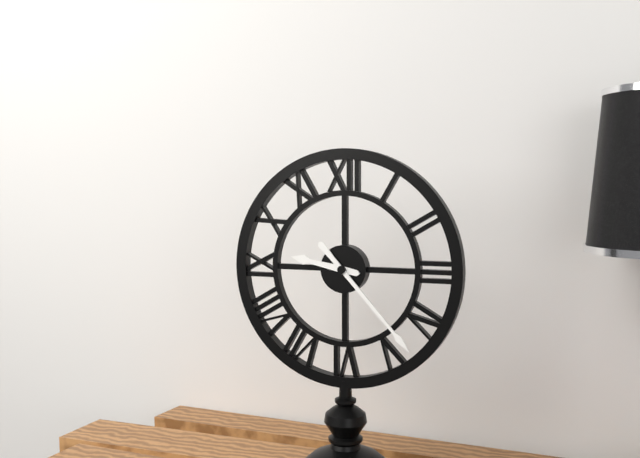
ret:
9,23
